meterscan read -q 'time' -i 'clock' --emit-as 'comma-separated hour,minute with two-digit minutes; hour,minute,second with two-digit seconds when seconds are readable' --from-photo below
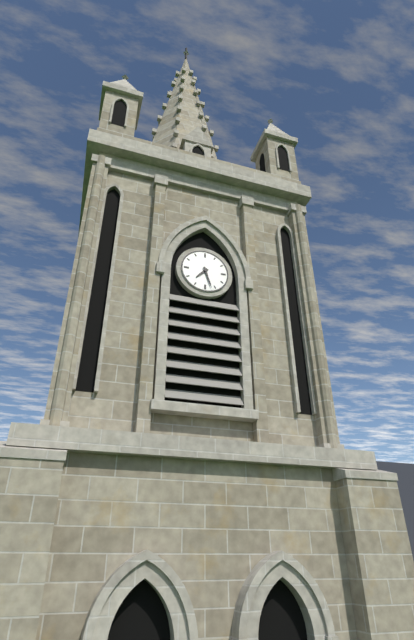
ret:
7,27
